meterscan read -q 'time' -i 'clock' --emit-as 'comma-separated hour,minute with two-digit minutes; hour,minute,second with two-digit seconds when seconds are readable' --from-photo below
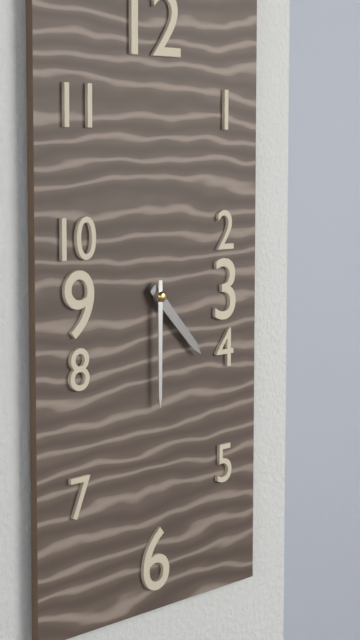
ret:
4,30
